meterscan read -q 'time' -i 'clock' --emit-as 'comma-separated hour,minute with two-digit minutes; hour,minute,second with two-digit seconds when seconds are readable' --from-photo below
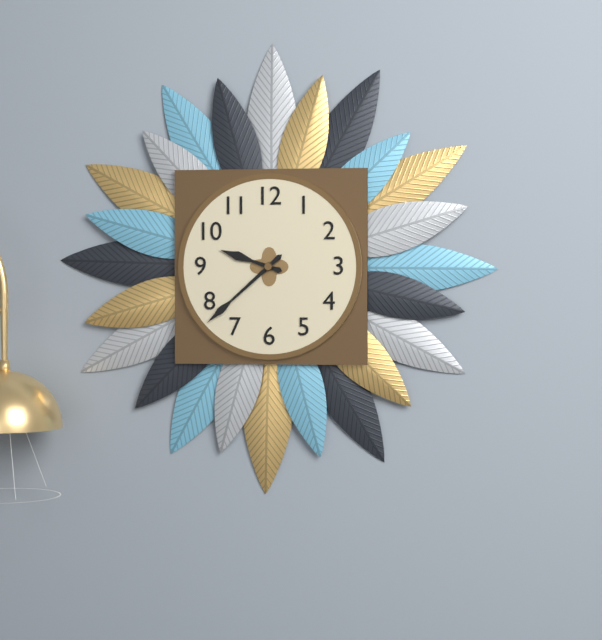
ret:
9,38
